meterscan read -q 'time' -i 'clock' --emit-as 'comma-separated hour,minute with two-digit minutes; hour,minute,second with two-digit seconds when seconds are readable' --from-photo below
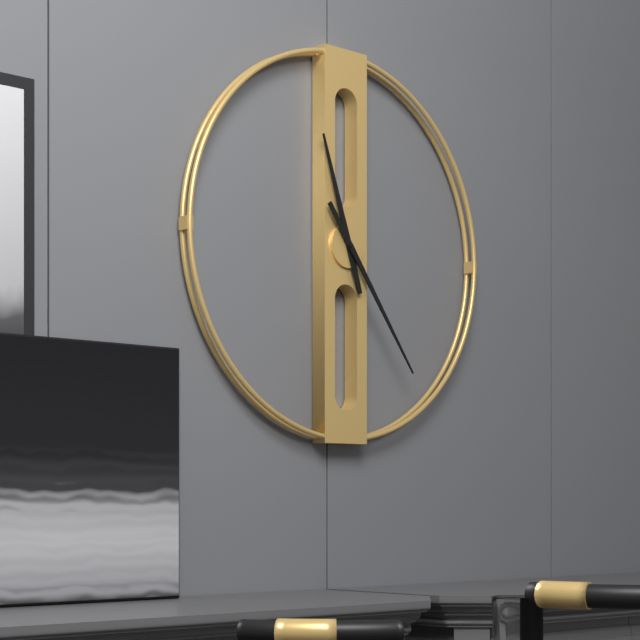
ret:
11,24
